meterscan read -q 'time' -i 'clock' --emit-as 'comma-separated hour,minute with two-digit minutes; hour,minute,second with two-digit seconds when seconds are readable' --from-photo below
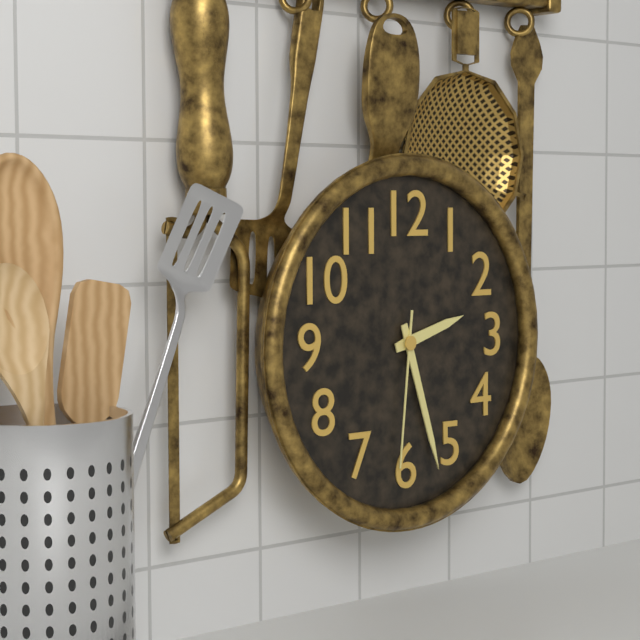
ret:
2,27,31
